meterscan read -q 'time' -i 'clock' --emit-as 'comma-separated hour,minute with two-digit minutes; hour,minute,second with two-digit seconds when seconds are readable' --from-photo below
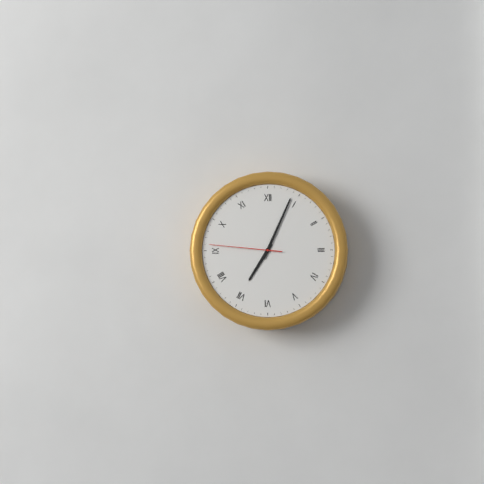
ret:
7,04,46
